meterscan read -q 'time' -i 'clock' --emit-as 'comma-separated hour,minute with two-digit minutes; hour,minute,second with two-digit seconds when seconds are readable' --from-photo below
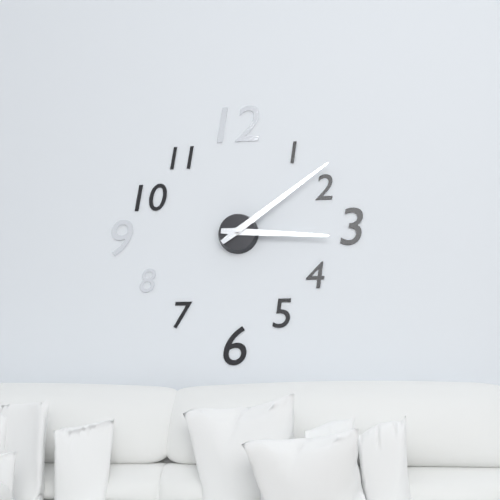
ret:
3,09
